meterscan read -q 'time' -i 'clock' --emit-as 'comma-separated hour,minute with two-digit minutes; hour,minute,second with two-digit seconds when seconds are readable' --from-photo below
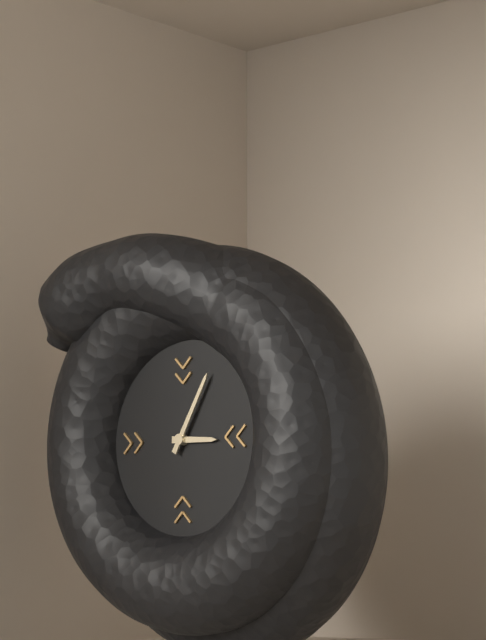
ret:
3,05
